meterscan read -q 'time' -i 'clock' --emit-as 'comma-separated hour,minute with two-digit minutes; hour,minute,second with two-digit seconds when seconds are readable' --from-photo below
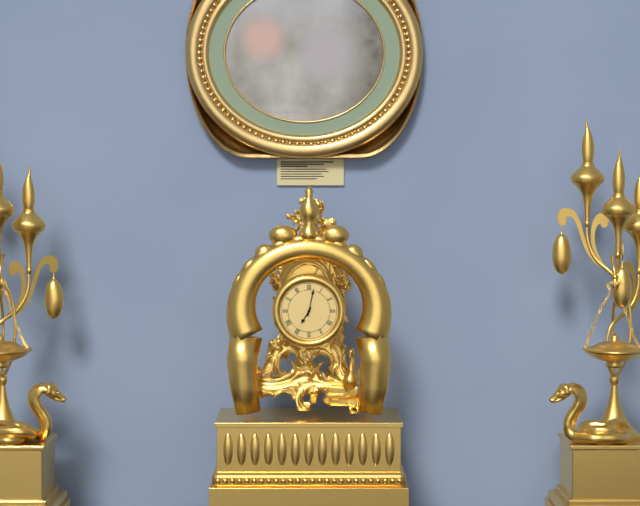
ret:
7,02
